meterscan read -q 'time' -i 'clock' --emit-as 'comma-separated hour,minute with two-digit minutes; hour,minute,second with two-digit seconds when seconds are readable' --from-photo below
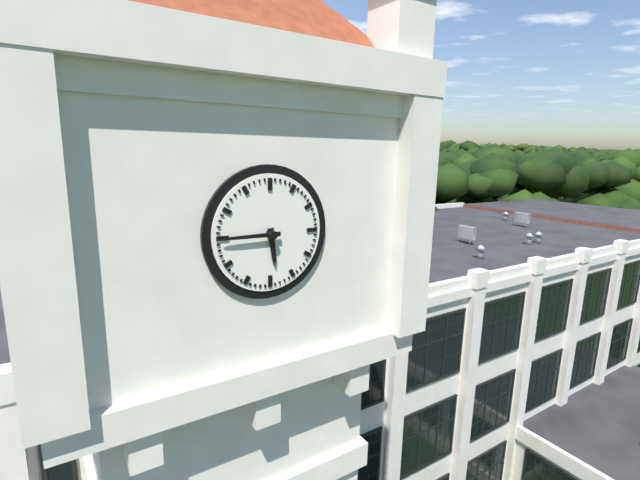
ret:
5,45
